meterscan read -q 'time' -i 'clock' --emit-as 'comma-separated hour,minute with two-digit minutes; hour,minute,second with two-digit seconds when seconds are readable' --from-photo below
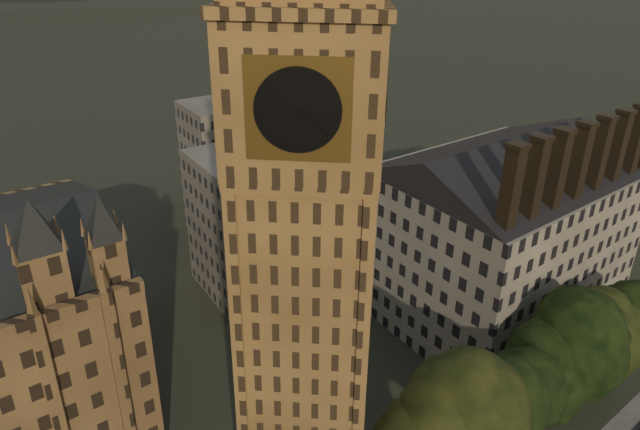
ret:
3,21
